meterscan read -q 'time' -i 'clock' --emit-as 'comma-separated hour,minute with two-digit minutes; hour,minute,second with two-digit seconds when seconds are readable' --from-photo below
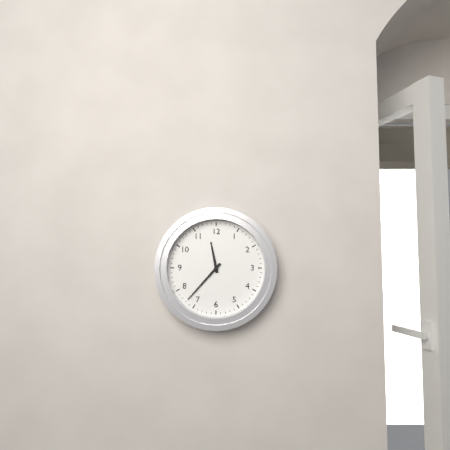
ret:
11,37
